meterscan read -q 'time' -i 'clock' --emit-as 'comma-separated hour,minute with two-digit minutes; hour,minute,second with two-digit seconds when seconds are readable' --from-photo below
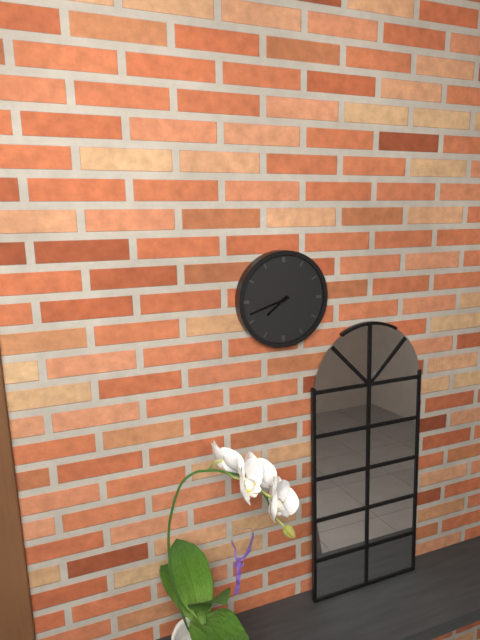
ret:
7,42
